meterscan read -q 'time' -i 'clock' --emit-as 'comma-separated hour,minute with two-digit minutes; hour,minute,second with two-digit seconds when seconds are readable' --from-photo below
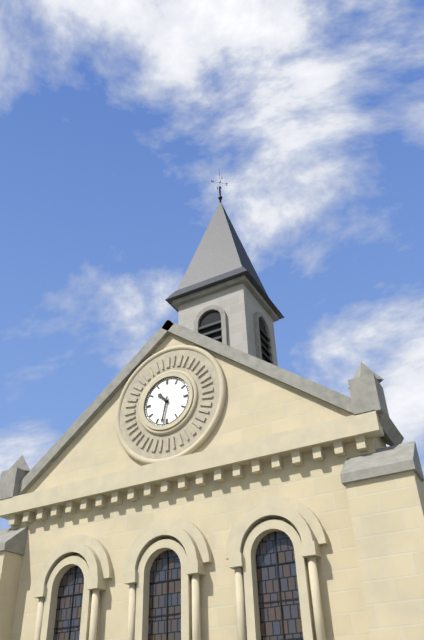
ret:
10,32
